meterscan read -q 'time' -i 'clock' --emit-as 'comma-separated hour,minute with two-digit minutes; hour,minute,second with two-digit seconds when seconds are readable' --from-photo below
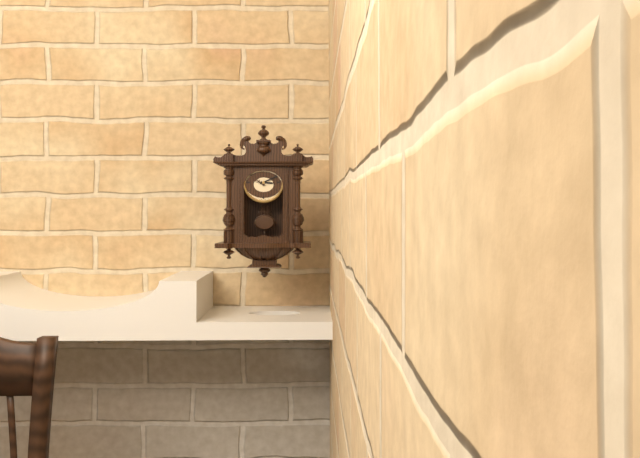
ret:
3,11
